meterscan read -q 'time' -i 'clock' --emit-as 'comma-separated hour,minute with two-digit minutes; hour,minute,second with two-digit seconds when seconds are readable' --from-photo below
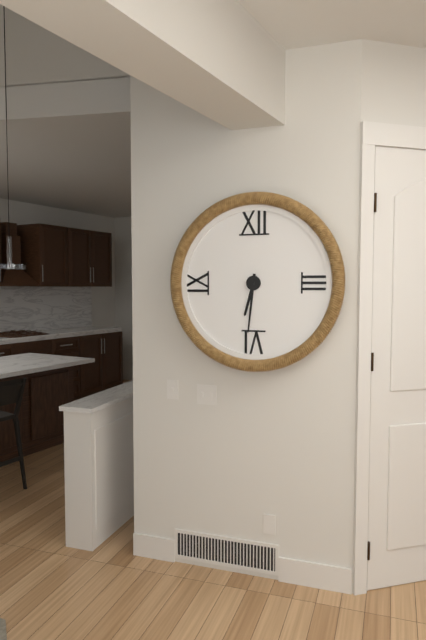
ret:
6,31
